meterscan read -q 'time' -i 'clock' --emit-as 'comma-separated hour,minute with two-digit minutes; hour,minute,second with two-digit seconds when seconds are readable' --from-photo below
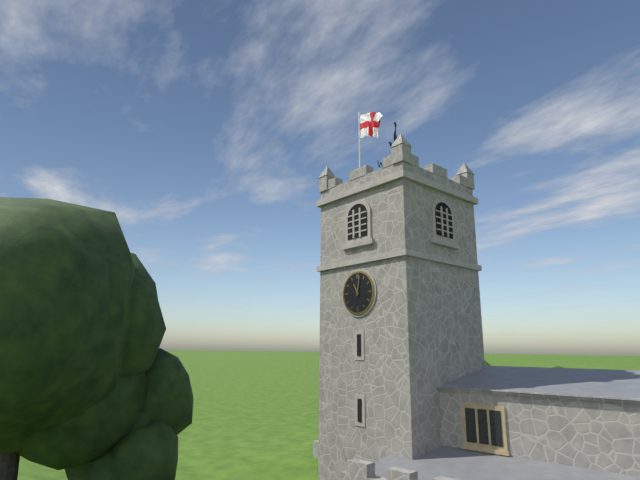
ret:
11,02
